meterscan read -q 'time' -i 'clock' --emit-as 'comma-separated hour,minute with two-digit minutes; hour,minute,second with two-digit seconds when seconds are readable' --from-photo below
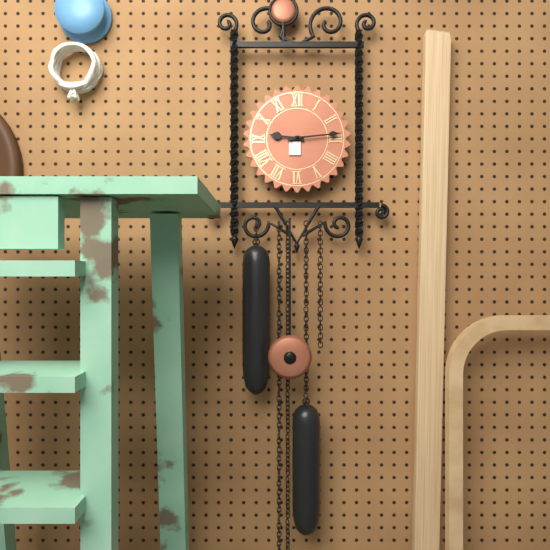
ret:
9,14
